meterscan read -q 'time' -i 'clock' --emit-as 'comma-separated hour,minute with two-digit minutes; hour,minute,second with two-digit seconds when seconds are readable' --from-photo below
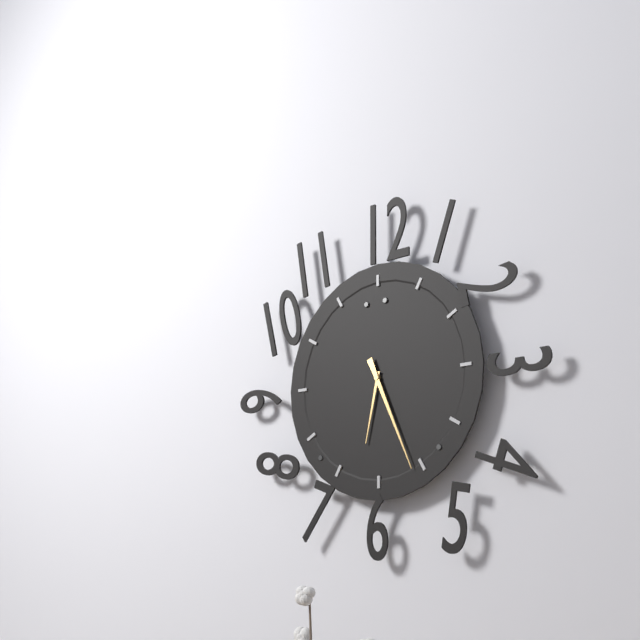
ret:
6,26
